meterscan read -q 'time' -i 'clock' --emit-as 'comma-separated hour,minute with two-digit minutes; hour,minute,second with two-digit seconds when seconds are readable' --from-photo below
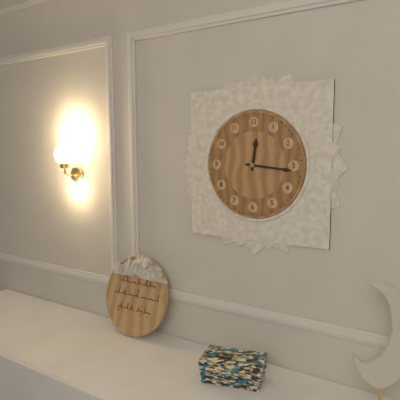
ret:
12,16
